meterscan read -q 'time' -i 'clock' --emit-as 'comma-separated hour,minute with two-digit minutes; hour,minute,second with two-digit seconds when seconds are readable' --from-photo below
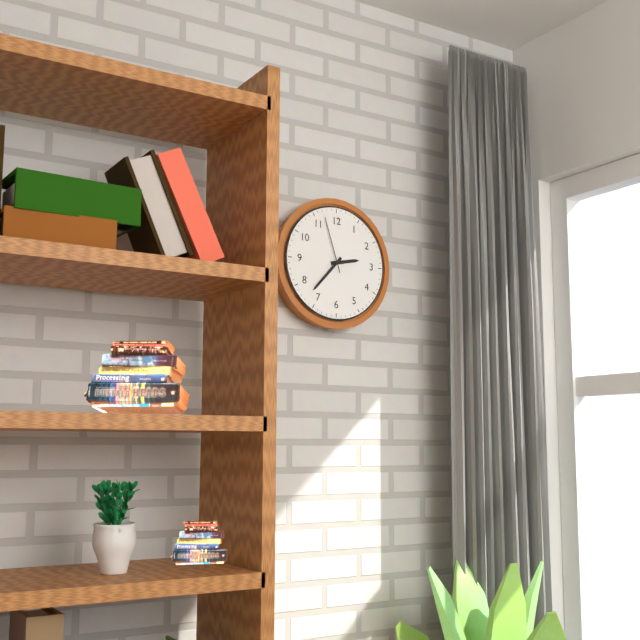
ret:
2,37,57
